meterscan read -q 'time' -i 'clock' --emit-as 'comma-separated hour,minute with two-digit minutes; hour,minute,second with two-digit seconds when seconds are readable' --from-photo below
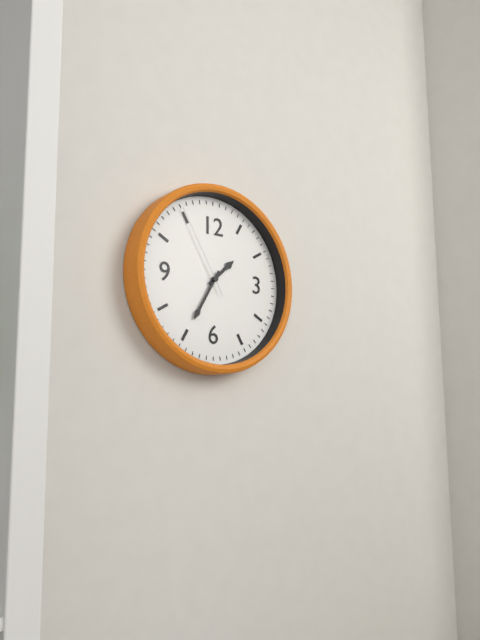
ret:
1,35,55
